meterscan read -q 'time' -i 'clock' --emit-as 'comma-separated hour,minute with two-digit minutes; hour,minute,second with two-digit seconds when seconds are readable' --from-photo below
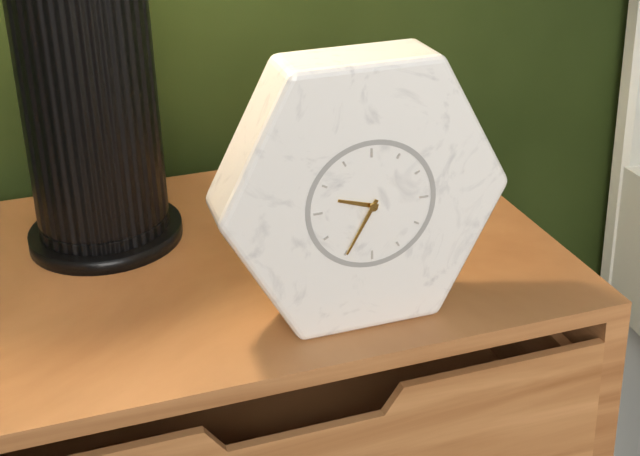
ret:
9,35
